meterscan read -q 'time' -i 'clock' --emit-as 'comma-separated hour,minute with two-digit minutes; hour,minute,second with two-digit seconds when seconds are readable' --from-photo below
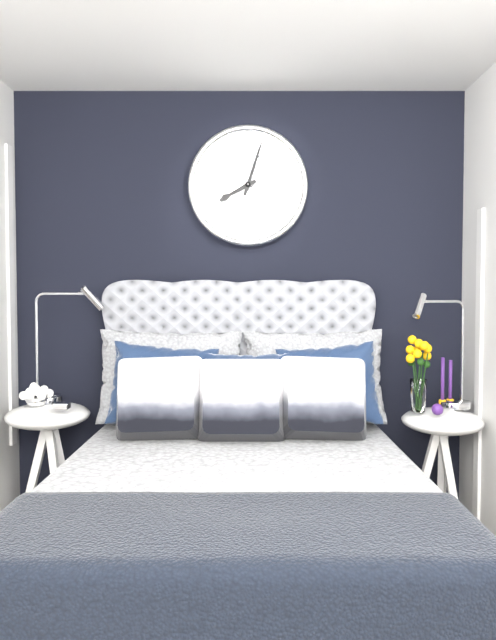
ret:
8,03
